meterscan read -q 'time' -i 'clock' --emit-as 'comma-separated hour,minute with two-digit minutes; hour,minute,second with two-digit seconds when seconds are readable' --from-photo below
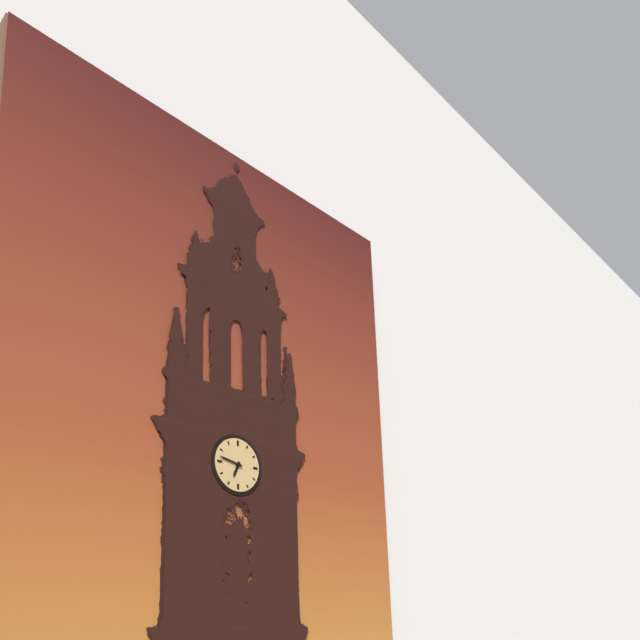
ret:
6,47
